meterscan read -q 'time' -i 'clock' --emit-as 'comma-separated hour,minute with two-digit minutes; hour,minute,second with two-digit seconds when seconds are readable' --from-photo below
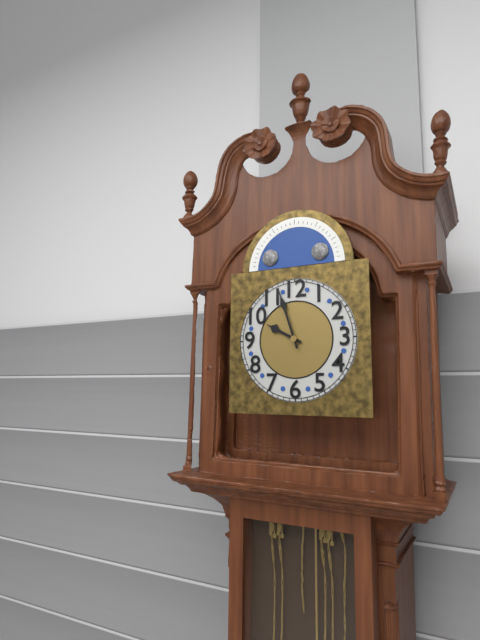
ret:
9,57
